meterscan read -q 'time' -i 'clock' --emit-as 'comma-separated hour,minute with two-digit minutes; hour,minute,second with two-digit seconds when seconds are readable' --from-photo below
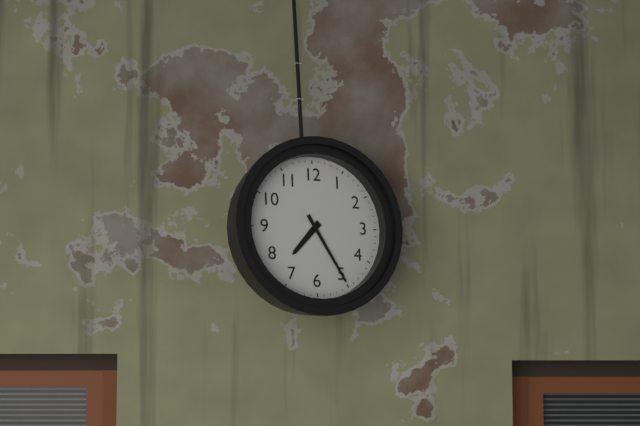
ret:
7,25
